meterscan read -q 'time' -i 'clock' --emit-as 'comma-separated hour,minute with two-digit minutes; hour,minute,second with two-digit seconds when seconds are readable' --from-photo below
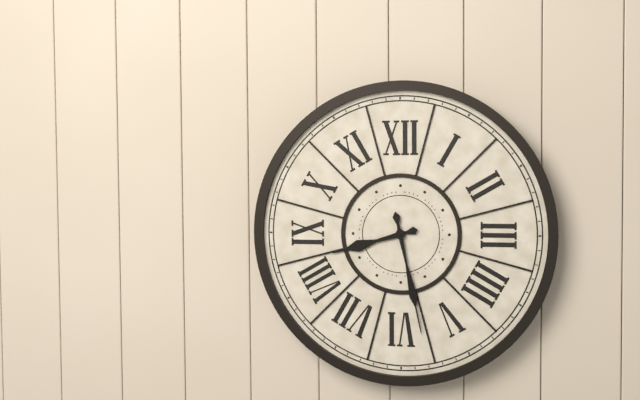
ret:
8,28
